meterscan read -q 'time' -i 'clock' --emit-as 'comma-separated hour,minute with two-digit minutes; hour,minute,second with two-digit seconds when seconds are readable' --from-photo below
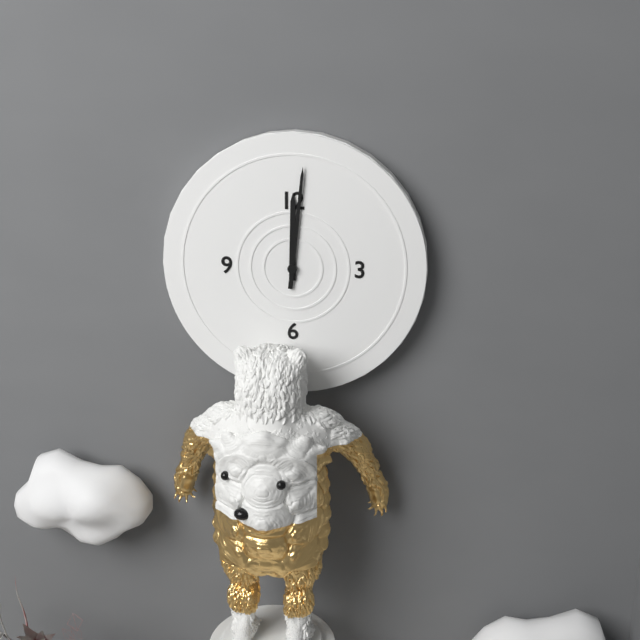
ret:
12,01
